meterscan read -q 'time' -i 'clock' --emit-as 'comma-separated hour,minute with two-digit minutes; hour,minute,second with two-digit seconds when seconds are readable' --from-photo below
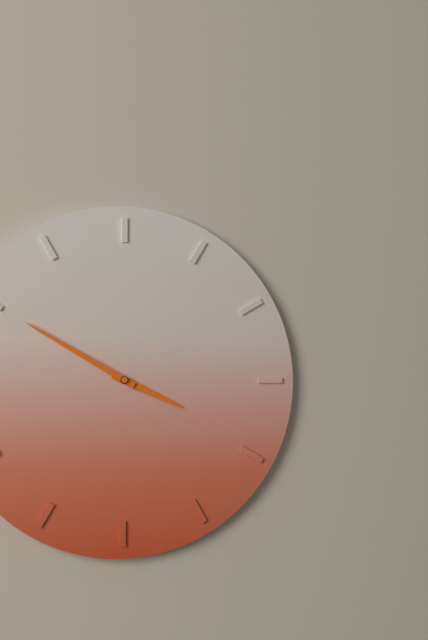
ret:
3,50
